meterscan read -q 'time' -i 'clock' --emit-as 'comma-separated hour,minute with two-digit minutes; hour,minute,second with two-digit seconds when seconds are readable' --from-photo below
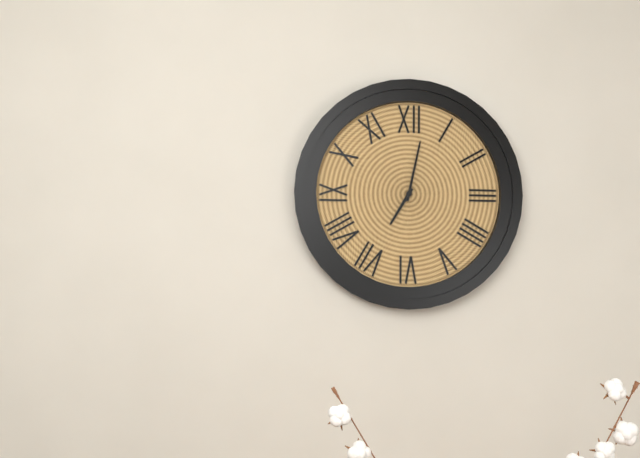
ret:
7,02
